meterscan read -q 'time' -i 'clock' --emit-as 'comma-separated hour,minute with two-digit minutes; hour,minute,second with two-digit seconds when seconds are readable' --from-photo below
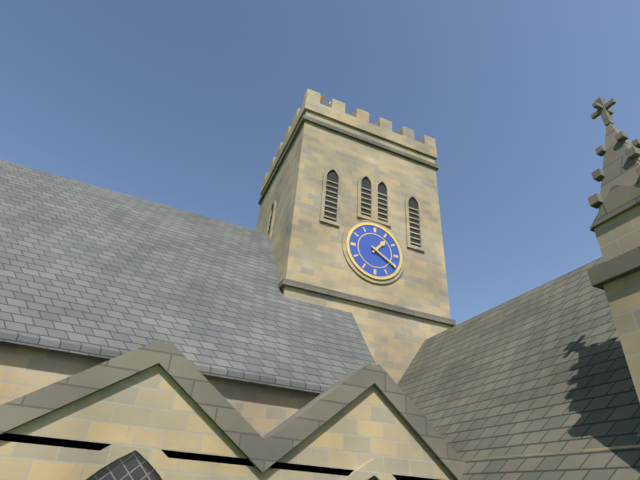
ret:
1,20
